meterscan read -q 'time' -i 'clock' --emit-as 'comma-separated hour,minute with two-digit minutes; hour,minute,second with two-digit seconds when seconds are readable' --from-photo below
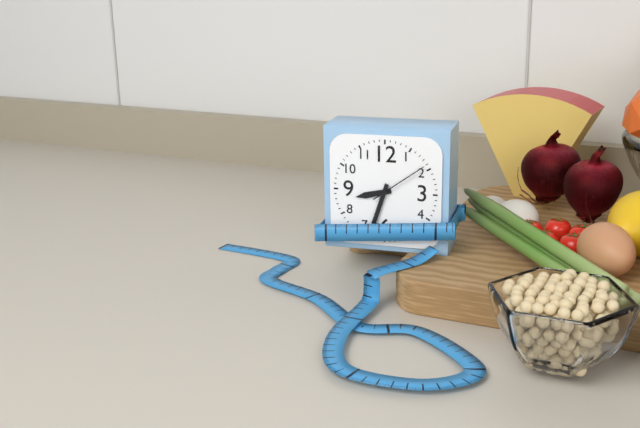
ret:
8,33,09
